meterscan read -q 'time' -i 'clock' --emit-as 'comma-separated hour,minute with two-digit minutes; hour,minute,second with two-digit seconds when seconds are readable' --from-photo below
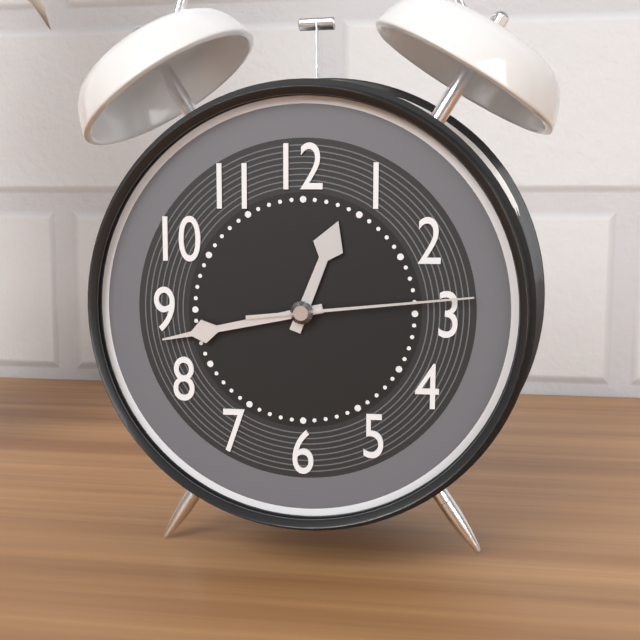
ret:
12,43,14
